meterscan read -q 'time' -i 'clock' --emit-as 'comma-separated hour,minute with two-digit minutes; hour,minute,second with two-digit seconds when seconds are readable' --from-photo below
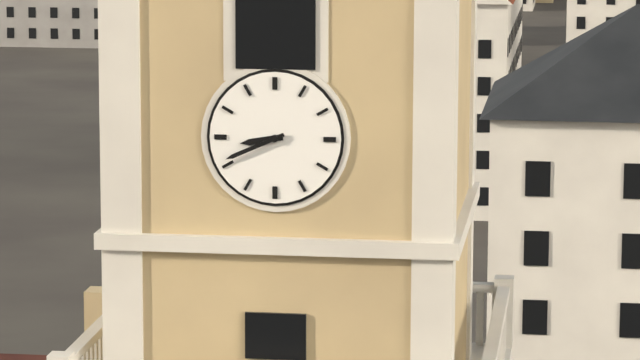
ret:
8,41
